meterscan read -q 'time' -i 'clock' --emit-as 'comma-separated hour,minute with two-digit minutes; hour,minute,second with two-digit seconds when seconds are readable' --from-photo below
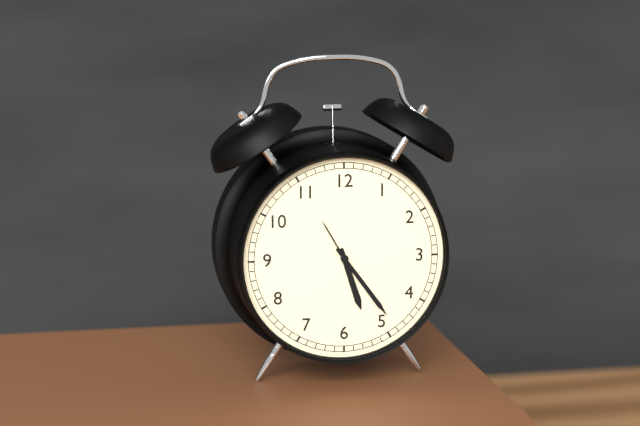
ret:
5,24,55
